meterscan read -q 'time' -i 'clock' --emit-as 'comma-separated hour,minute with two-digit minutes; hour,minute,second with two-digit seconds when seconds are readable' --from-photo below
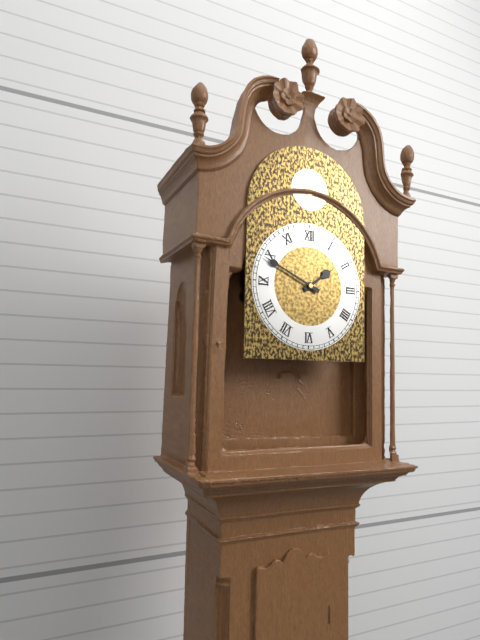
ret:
1,49
